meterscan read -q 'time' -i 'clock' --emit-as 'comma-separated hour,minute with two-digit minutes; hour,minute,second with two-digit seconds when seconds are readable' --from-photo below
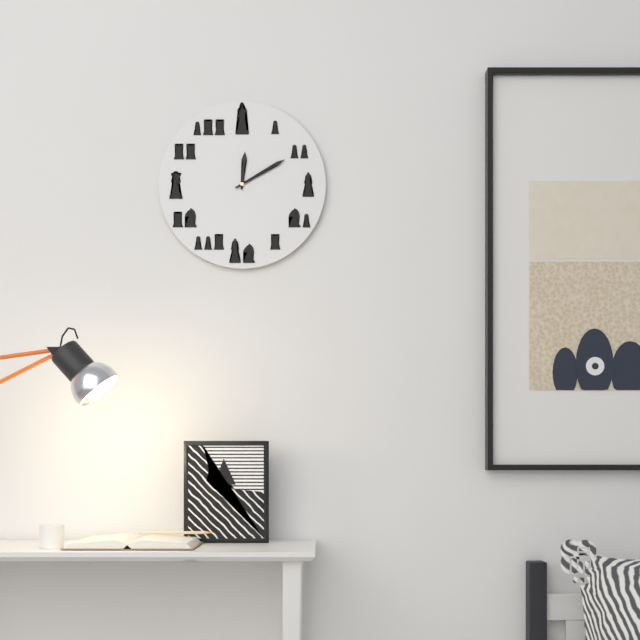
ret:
12,10
